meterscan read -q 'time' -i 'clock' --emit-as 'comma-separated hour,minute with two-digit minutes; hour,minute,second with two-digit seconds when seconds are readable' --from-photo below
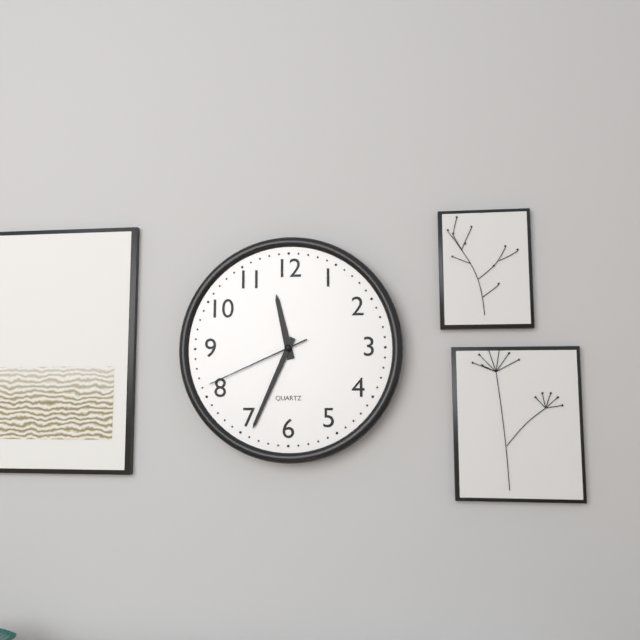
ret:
11,34,41
